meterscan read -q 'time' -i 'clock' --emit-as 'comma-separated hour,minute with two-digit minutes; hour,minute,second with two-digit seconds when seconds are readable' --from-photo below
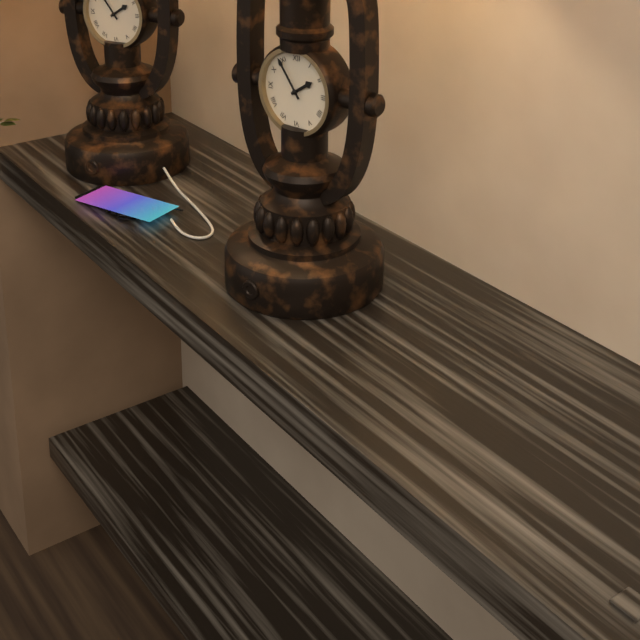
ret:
1,54
